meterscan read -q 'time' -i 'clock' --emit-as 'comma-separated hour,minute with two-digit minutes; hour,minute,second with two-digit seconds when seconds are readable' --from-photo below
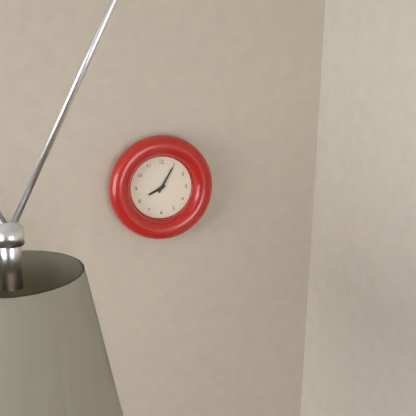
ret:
8,05
